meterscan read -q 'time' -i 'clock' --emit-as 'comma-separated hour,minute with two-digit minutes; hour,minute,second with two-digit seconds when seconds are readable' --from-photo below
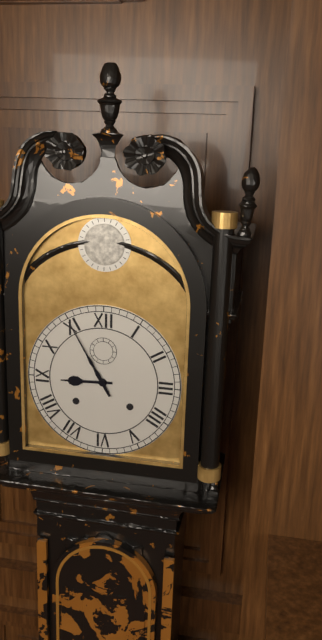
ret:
8,55
